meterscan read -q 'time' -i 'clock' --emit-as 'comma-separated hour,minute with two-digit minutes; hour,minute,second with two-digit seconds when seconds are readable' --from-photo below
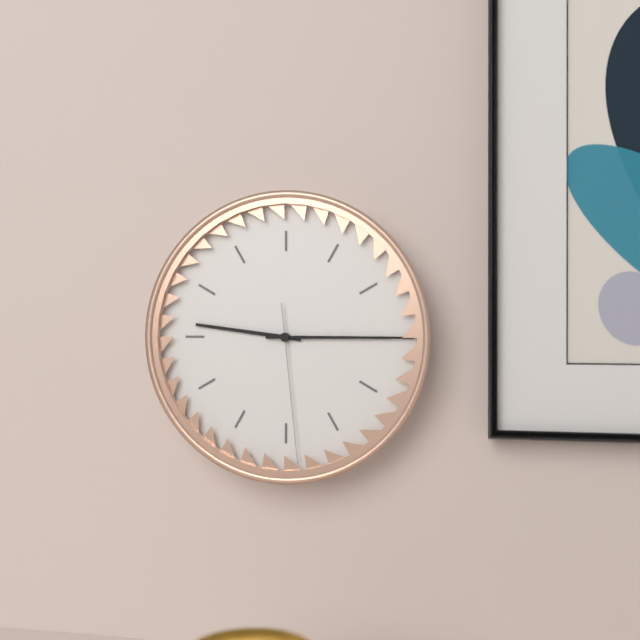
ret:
9,15,29
